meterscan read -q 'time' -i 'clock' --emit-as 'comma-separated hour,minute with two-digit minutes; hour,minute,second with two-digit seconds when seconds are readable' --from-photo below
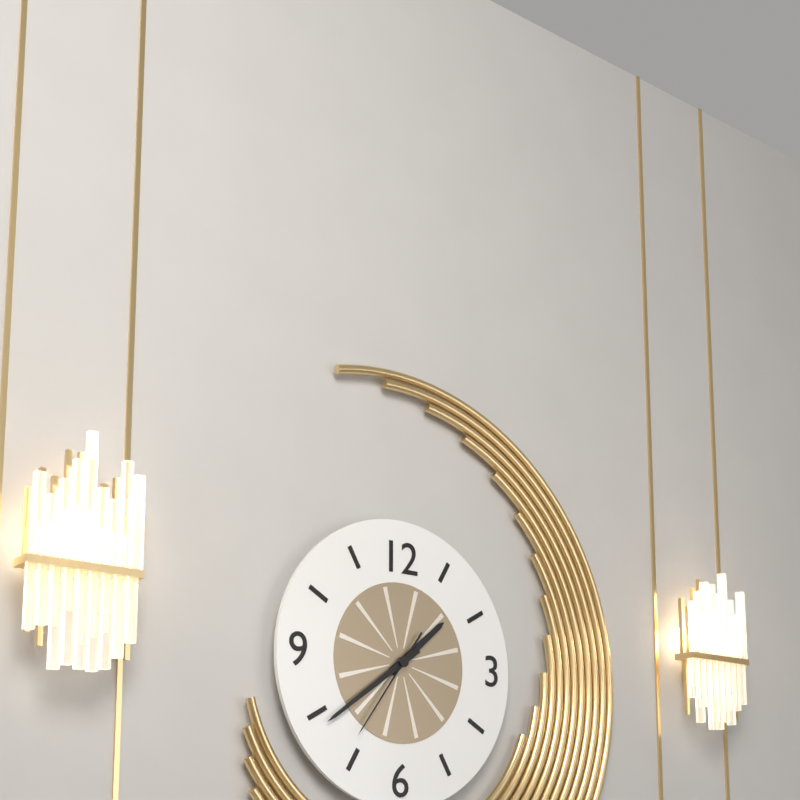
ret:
1,39,36
